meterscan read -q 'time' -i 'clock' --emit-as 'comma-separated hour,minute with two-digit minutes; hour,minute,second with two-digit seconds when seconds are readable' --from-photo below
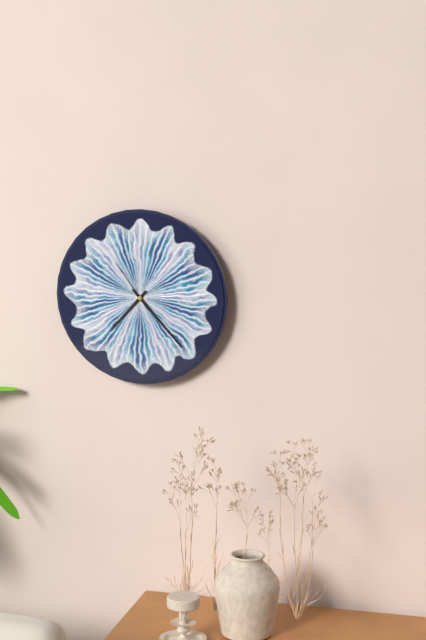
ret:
7,23,54
